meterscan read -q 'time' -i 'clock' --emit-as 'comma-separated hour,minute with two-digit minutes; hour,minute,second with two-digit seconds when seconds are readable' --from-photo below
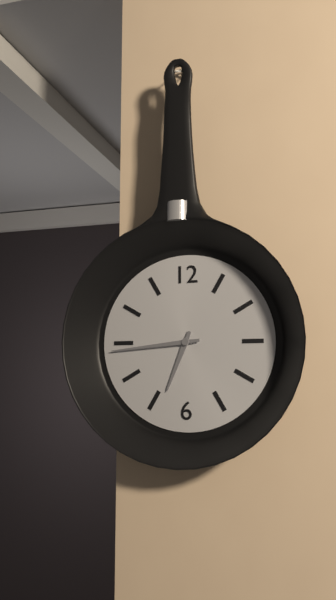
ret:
6,44
